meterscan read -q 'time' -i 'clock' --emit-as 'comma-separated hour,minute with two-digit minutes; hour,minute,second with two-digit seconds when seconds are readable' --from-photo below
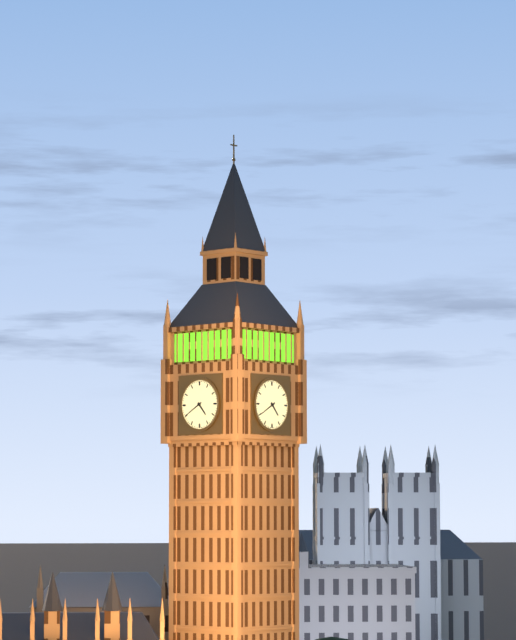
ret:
4,40
